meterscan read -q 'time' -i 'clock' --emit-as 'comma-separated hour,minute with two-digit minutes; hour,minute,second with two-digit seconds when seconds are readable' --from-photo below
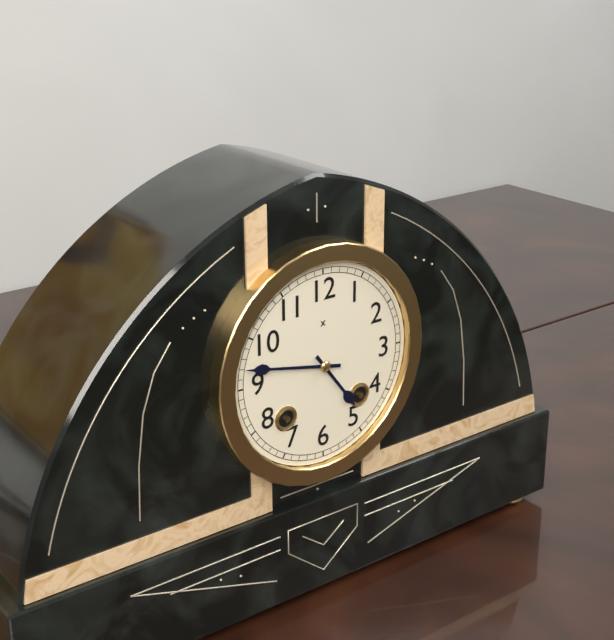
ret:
4,47
